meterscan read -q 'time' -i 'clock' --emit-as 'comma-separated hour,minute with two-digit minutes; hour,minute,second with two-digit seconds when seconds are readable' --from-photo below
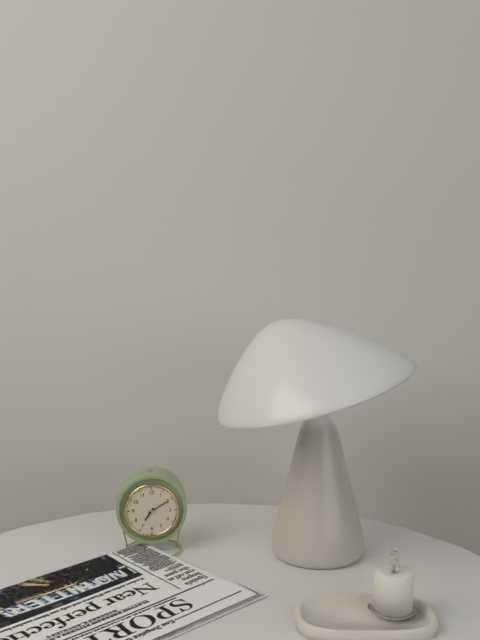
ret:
7,10
